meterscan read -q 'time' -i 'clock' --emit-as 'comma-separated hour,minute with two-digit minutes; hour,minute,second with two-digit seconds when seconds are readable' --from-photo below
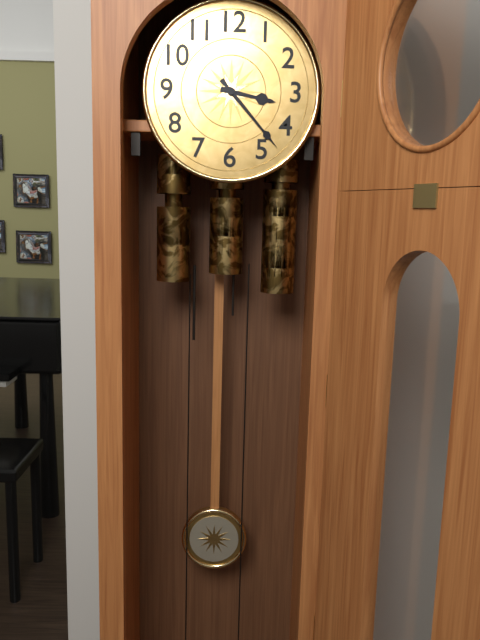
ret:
3,23
